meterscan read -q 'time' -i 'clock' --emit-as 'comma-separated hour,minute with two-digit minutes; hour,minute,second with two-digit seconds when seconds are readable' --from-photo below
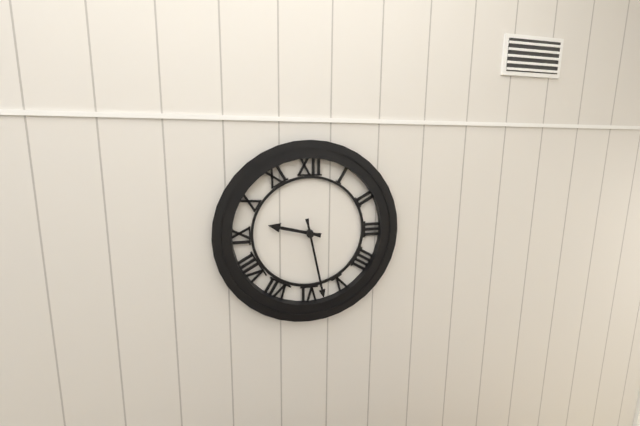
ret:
9,28
